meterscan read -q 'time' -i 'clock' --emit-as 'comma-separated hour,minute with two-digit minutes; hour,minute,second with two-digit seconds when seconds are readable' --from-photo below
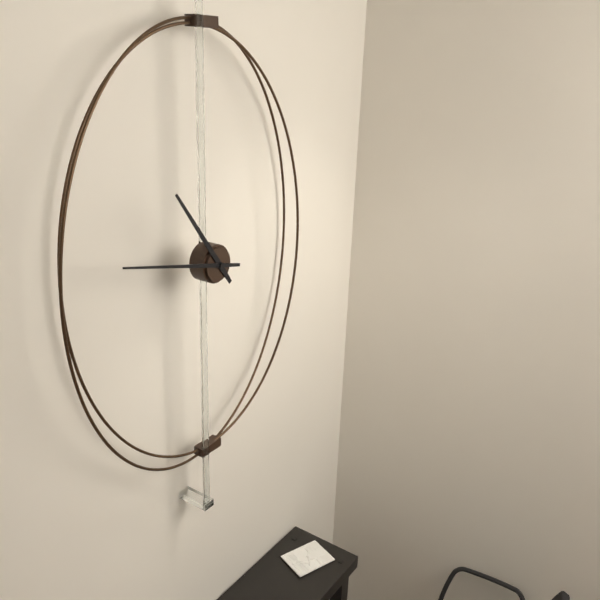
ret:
10,47
